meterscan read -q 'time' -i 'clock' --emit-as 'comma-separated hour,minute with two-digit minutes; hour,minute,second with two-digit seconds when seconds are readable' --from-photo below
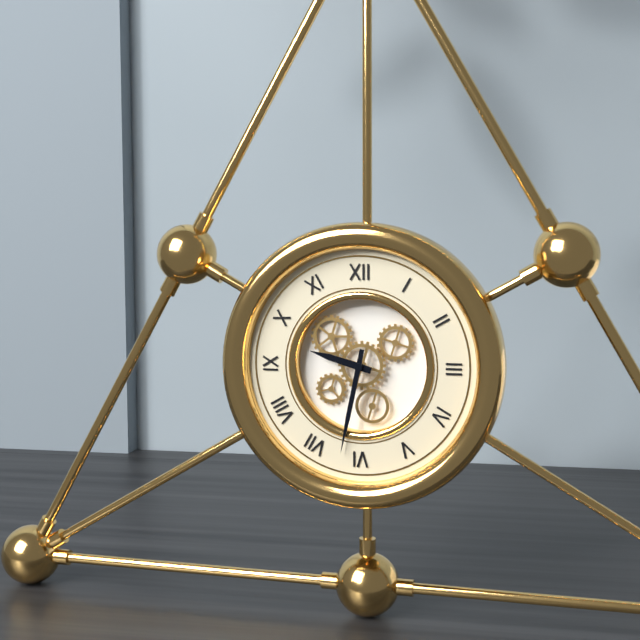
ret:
9,32
